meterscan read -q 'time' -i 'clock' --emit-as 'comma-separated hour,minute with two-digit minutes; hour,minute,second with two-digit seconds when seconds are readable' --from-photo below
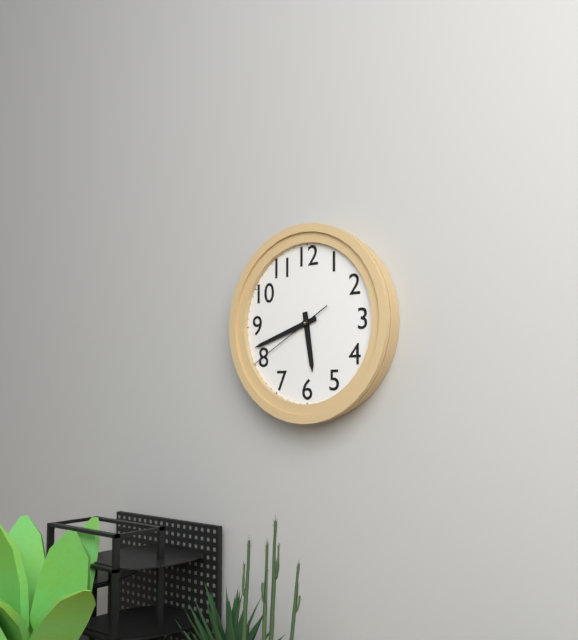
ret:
5,42,40
